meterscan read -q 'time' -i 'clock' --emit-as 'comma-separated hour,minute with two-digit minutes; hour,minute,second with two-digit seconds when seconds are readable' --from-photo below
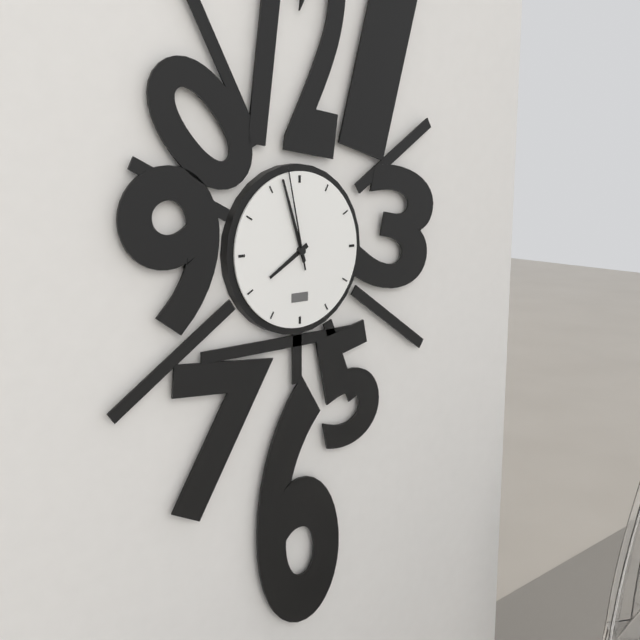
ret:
7,57,58
